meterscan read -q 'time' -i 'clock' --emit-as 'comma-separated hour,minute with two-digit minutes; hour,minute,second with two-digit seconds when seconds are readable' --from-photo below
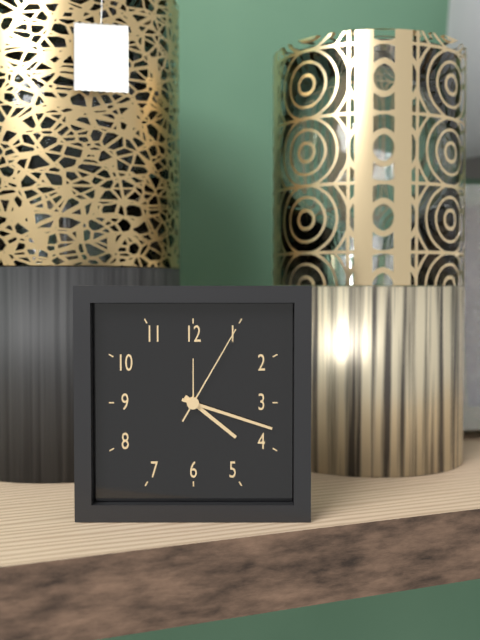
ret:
4,18,05
